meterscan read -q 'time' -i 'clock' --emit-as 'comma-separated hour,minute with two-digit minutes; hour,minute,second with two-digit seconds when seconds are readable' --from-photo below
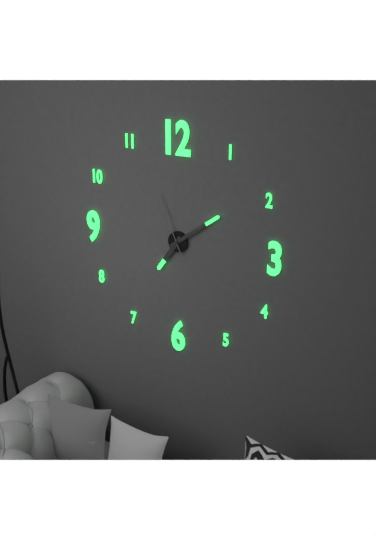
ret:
7,09,56
